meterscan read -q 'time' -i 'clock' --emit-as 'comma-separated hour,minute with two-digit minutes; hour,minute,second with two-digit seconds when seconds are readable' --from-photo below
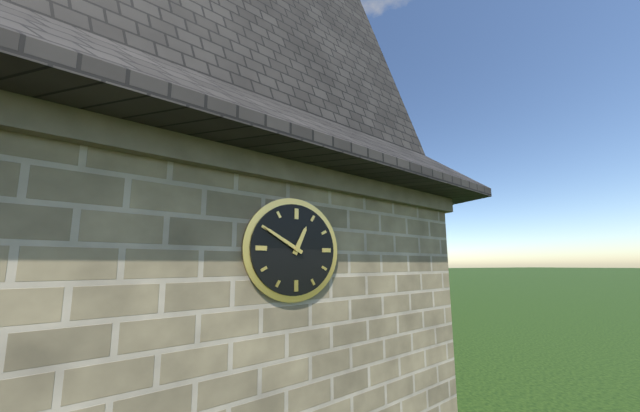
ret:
12,50
